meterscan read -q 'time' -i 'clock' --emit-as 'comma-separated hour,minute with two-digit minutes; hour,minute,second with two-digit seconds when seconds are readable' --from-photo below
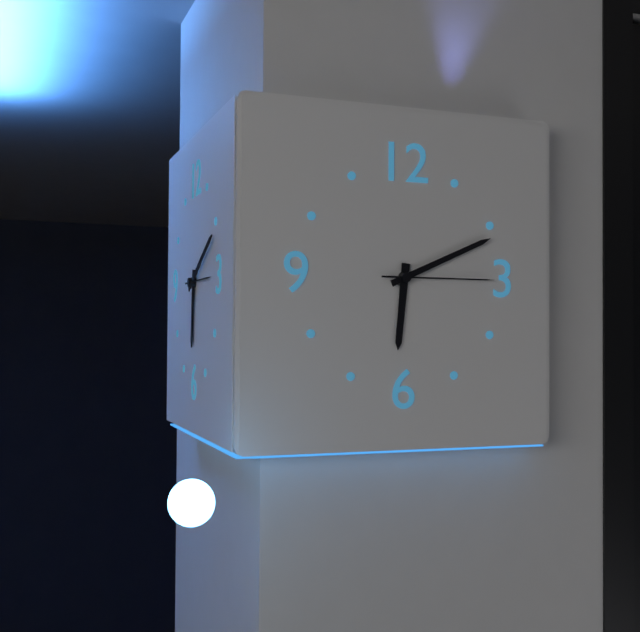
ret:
6,11,15
